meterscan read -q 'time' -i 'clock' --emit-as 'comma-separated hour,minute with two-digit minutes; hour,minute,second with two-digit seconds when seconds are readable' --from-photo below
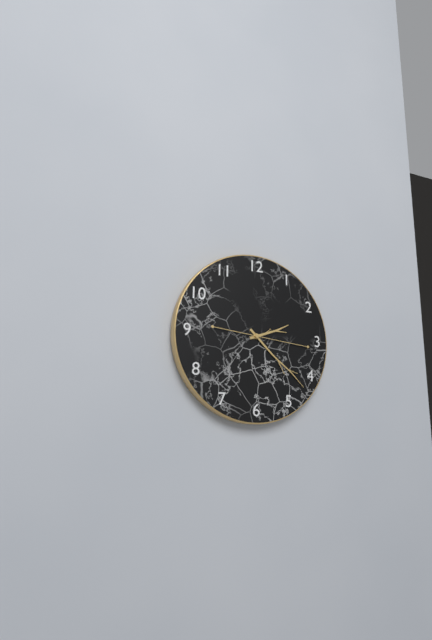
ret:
2,22,16
